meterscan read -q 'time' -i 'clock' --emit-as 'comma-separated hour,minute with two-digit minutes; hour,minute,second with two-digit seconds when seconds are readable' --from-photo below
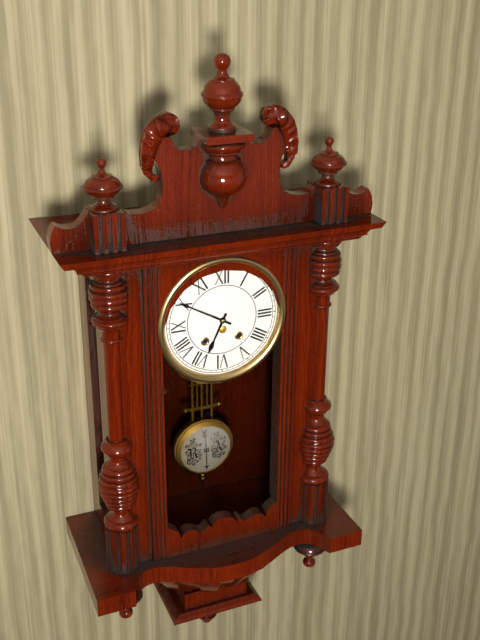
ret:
6,50
